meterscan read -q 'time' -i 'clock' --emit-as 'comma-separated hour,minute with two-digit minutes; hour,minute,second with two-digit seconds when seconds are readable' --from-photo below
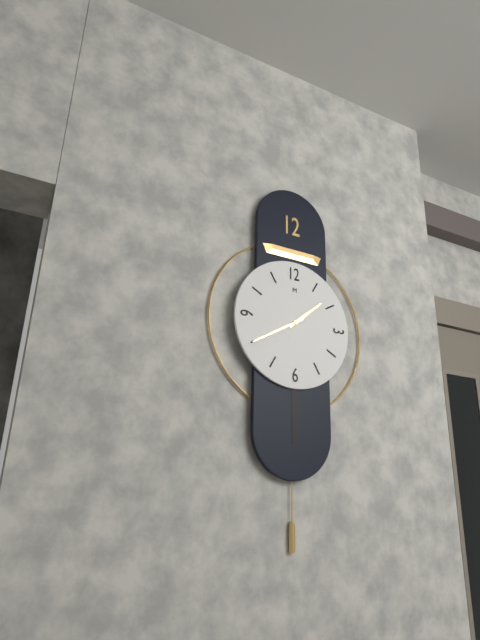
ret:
1,40
